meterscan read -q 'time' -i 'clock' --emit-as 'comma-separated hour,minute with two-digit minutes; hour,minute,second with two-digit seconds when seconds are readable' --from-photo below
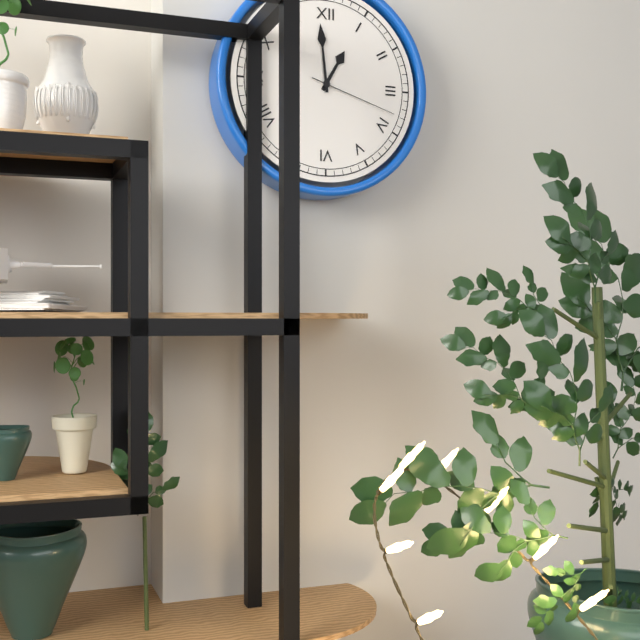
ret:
12,59,18
